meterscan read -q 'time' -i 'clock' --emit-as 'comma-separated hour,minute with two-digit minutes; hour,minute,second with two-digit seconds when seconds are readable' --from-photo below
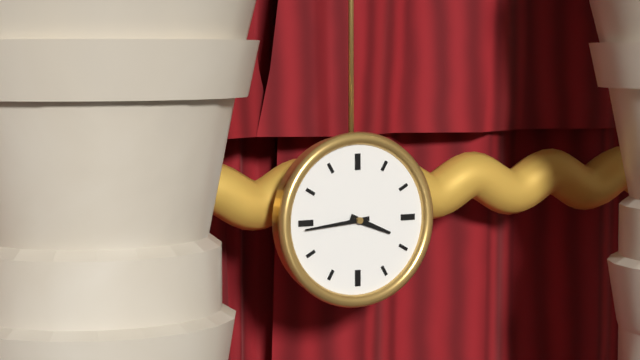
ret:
3,44
